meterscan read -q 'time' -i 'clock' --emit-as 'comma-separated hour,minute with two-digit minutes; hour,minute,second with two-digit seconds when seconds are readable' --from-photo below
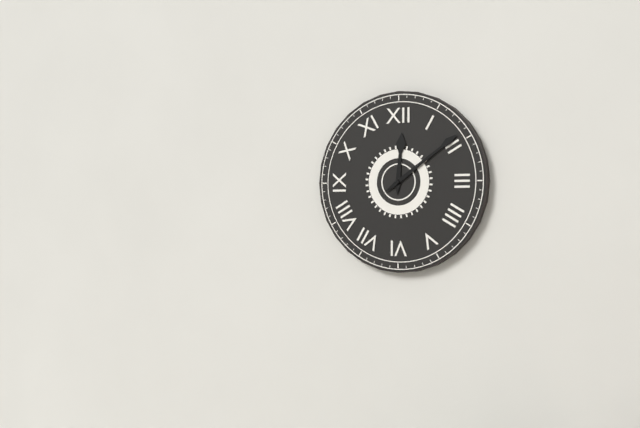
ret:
12,09
